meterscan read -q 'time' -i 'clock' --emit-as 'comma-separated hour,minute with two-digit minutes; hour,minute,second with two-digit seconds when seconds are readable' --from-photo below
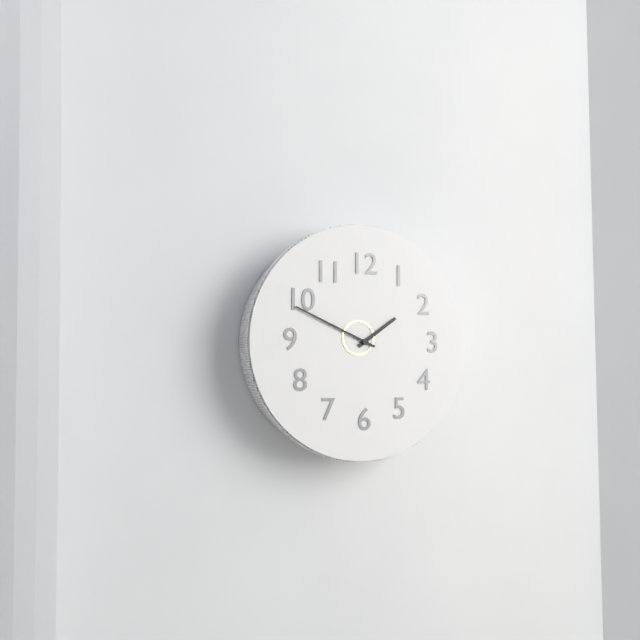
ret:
1,49
